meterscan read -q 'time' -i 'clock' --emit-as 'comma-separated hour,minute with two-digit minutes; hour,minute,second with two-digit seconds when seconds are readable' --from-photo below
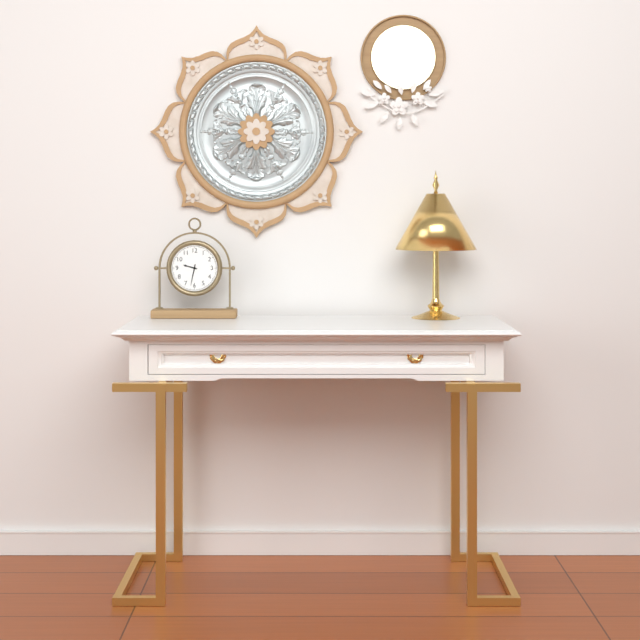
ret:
9,32
